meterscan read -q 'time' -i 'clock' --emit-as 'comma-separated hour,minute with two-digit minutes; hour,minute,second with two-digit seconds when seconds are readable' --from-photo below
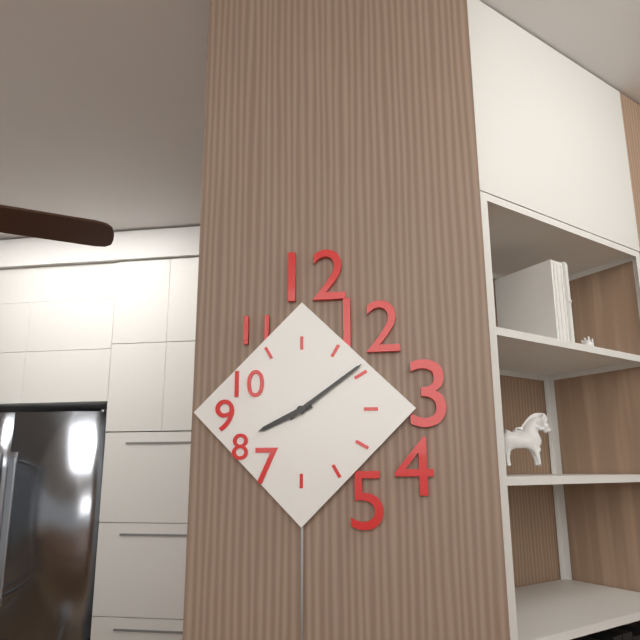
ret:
8,09
